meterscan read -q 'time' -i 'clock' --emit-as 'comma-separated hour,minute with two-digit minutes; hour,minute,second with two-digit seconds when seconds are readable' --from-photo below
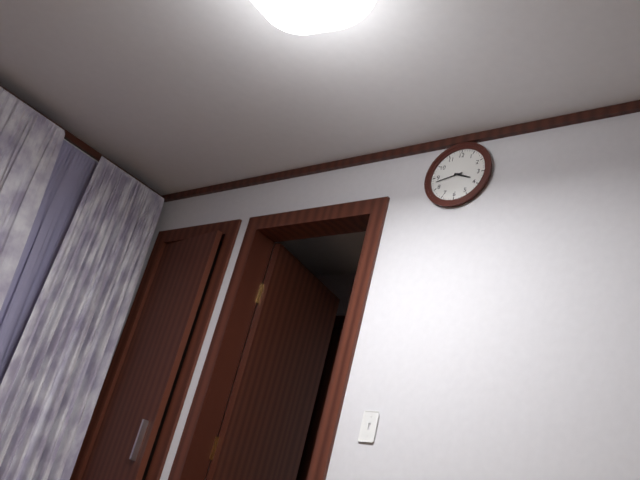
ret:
3,43
